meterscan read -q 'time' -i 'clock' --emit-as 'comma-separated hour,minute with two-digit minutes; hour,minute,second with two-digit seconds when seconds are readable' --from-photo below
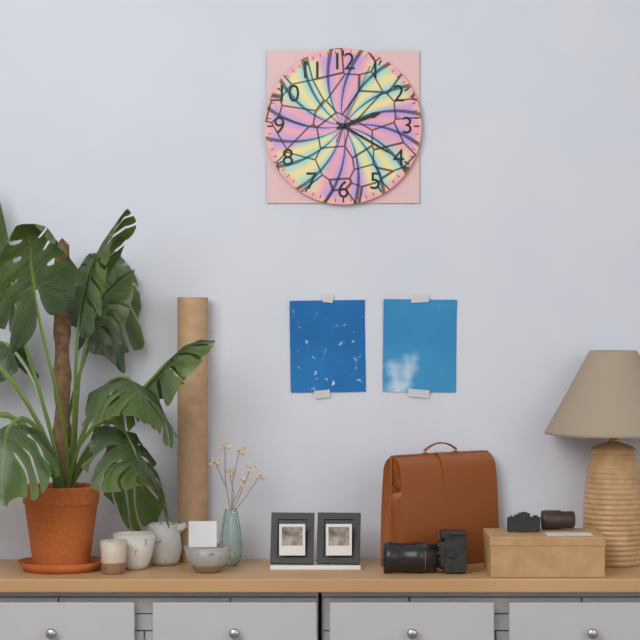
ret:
2,20,04
